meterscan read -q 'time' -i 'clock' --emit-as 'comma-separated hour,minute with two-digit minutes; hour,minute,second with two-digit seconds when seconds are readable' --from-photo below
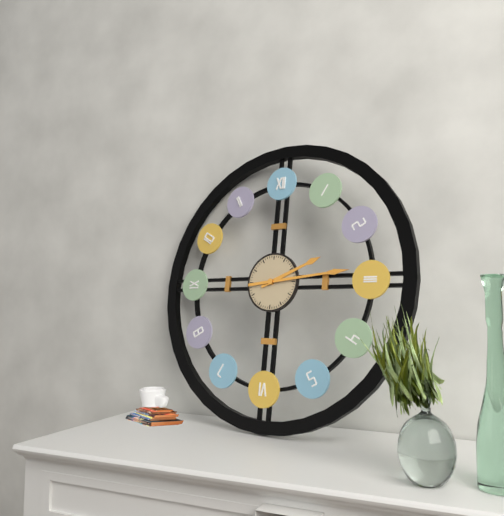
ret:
2,14
